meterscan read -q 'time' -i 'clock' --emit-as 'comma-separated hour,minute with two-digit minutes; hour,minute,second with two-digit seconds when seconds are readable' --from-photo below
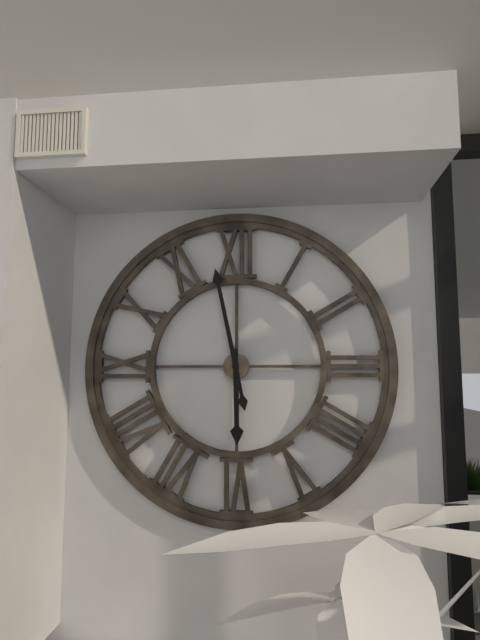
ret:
5,58
